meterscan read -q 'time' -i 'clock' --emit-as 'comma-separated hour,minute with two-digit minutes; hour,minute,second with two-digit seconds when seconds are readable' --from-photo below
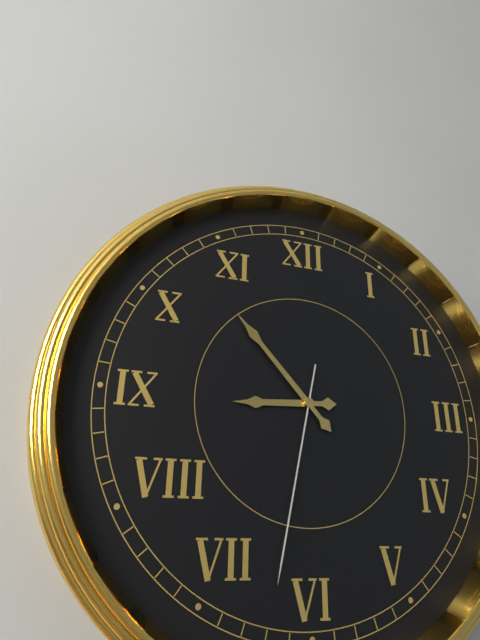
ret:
8,53,32
